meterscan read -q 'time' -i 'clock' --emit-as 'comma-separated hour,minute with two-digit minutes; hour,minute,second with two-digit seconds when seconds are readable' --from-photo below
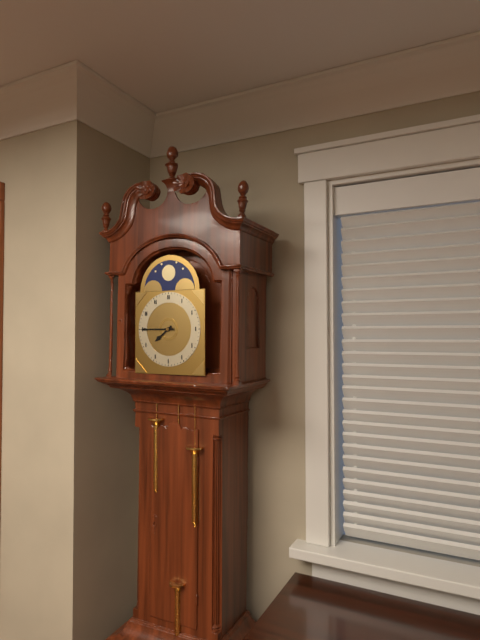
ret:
7,45
